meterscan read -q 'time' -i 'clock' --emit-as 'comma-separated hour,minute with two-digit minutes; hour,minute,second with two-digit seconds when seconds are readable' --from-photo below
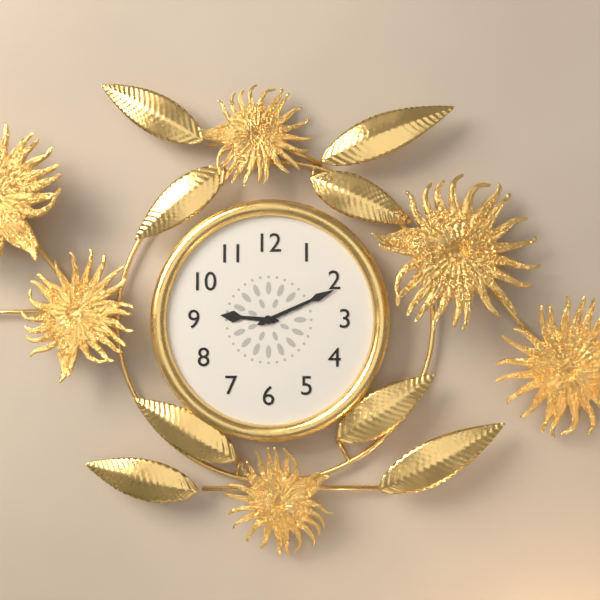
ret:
9,11
